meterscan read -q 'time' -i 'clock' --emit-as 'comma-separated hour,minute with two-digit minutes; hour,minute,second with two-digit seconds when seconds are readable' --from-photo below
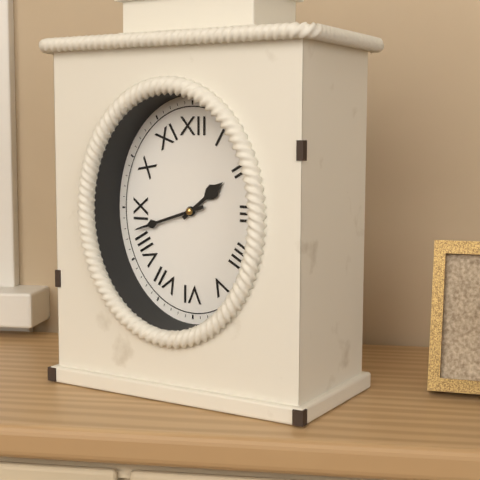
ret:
1,42
